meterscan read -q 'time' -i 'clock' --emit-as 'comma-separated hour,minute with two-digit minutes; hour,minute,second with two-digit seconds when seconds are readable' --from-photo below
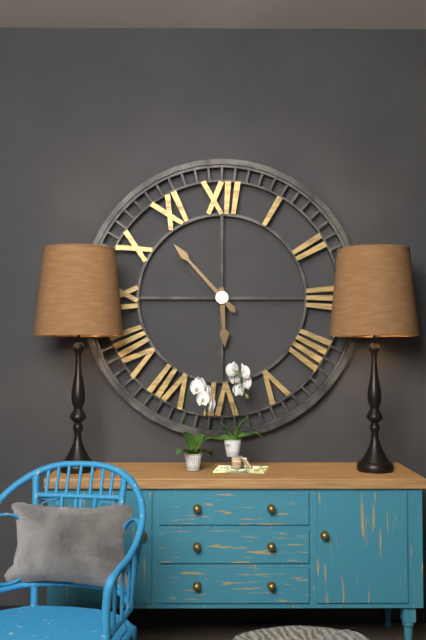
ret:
5,53
